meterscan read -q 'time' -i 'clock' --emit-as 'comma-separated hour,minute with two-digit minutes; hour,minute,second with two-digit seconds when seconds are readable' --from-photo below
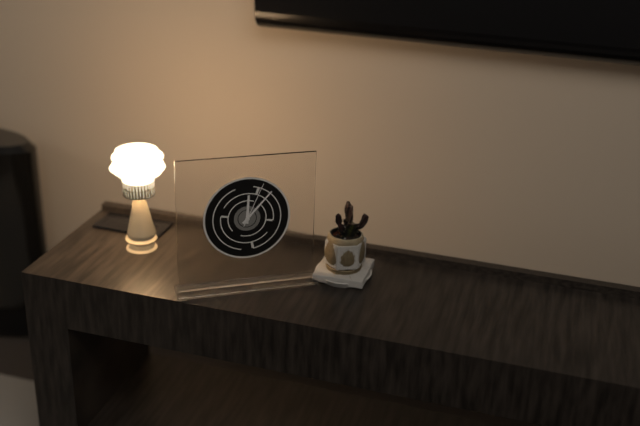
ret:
12,07
